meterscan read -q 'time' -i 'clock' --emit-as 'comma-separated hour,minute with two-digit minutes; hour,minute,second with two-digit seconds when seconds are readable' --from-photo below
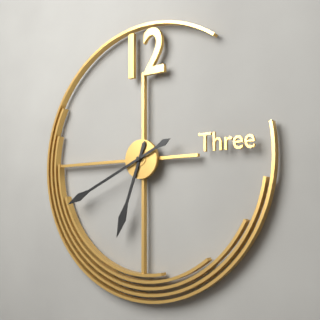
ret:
6,41
